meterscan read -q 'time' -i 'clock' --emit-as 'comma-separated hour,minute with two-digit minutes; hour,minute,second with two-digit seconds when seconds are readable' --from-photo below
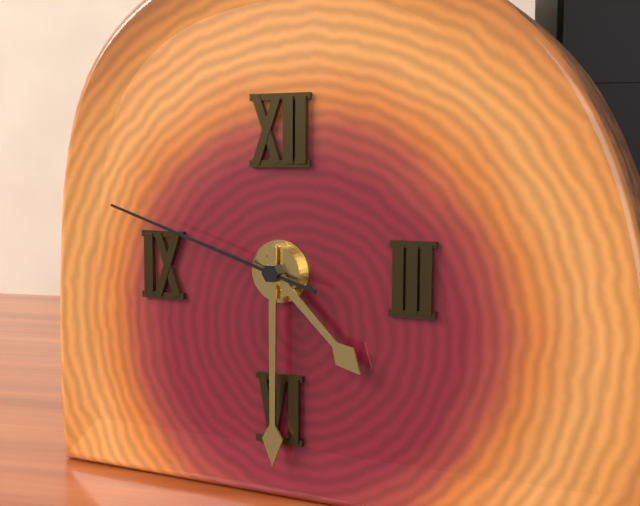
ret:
4,30,48
